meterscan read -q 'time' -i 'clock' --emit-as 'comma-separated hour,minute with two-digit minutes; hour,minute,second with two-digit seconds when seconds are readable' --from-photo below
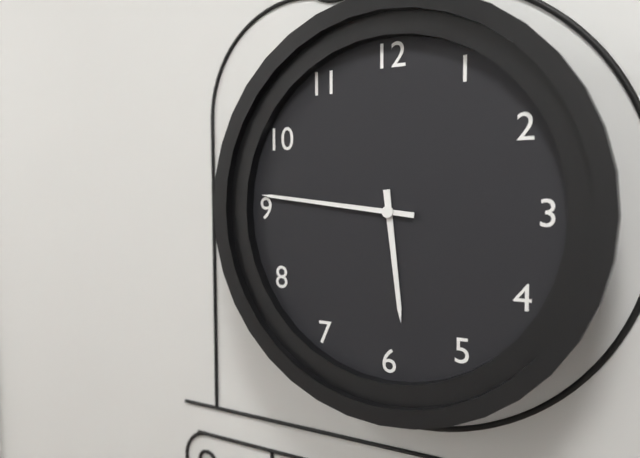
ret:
5,46
